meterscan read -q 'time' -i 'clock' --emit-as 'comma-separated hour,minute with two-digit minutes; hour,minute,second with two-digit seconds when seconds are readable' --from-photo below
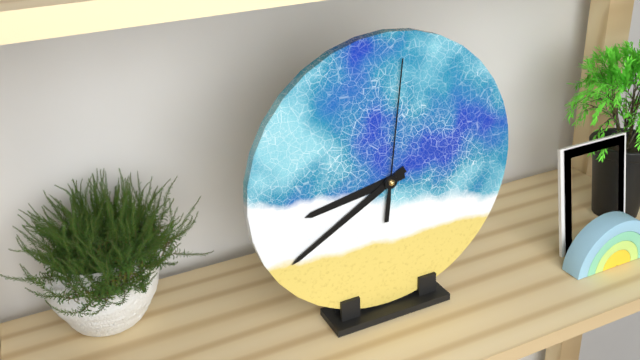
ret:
8,40,01
